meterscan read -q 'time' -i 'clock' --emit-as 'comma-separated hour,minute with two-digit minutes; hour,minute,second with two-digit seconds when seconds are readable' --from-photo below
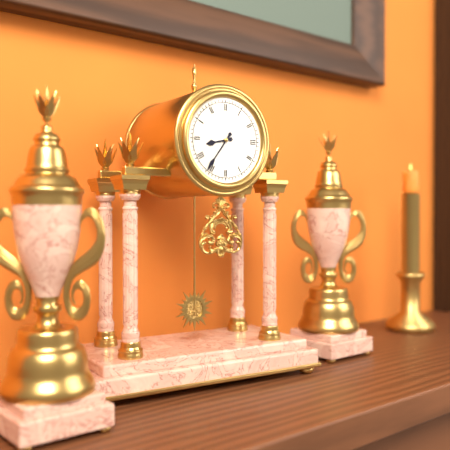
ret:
8,36
